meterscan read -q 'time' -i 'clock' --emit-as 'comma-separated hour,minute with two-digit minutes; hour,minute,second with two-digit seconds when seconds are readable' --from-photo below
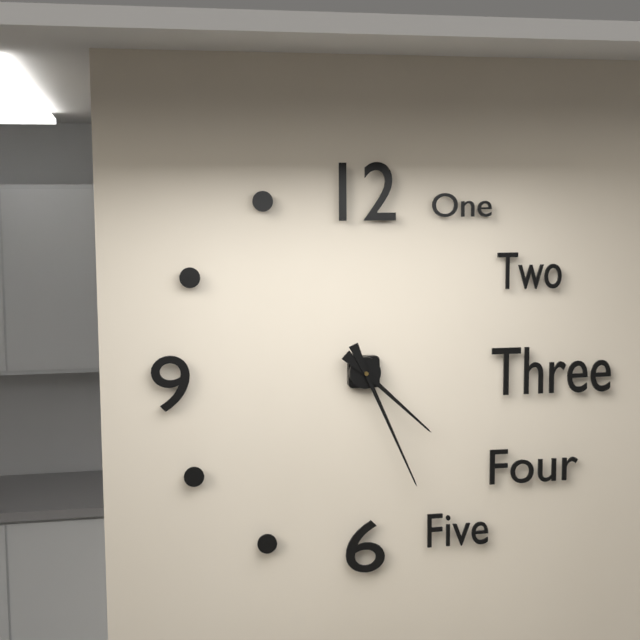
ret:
4,26
